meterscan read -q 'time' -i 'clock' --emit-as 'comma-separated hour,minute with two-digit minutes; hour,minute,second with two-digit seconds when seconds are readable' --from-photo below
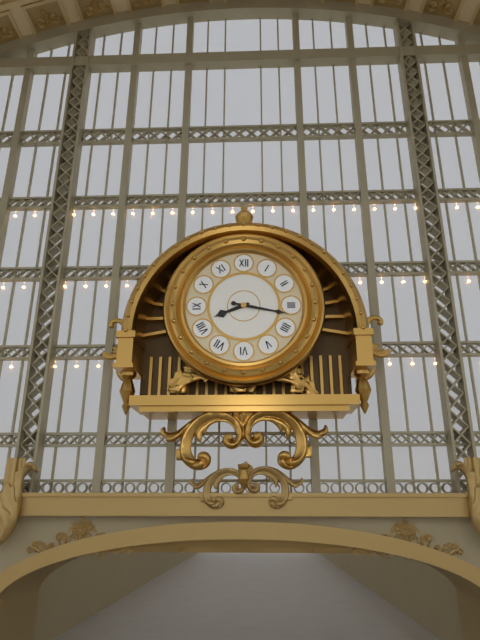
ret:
8,17
